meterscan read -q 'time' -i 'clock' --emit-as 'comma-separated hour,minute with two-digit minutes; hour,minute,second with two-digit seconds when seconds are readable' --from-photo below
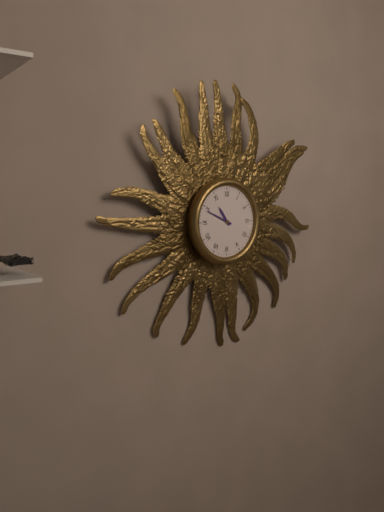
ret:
10,49
